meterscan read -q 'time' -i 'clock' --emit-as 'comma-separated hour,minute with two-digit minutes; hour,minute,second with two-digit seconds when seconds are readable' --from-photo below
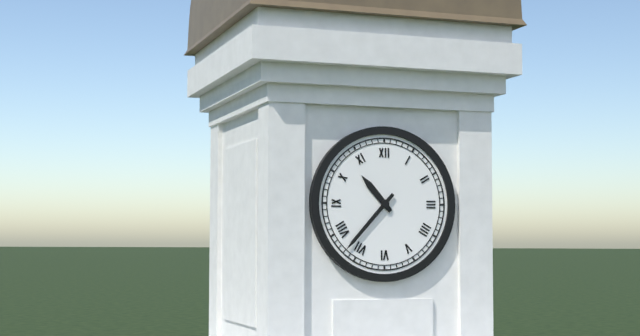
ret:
10,37
